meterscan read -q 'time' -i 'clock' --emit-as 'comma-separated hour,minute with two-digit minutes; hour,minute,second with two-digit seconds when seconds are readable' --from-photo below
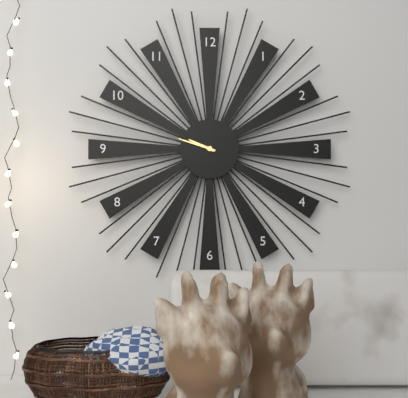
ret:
9,48
